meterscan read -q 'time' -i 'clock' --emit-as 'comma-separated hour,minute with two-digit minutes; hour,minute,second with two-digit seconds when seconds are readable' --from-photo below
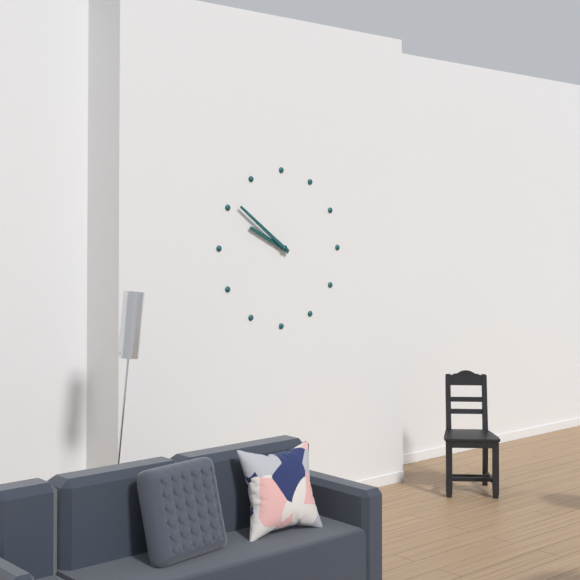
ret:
9,51
